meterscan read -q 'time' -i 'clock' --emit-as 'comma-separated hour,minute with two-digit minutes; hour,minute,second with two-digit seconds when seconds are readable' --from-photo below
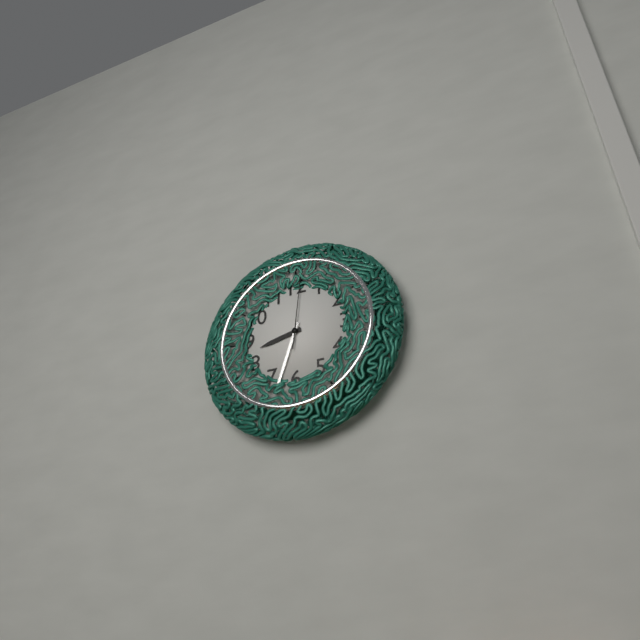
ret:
8,33,01
